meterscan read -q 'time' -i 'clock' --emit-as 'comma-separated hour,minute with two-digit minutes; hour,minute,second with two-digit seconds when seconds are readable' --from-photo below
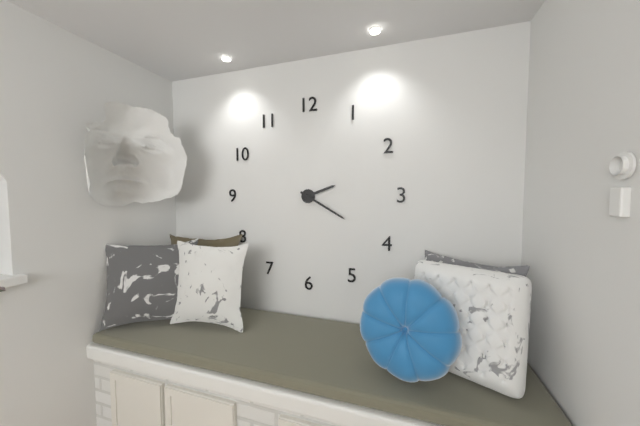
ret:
2,20
